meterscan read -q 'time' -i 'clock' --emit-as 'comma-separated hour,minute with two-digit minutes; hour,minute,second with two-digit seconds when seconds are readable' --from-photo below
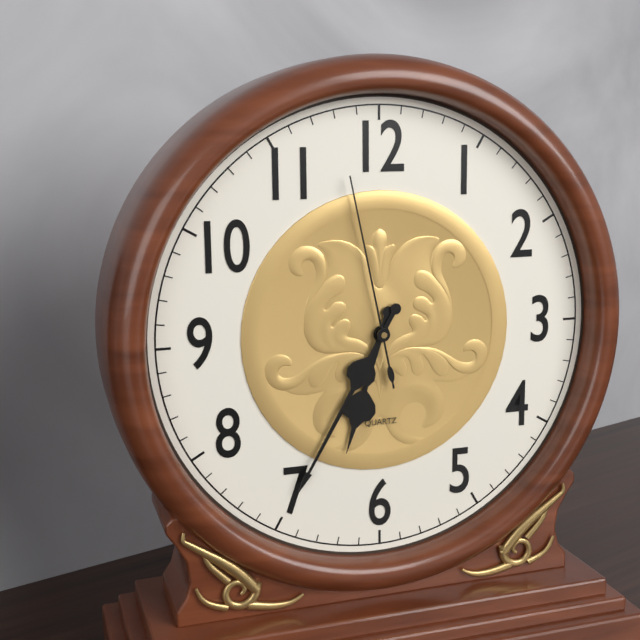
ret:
6,35,58
